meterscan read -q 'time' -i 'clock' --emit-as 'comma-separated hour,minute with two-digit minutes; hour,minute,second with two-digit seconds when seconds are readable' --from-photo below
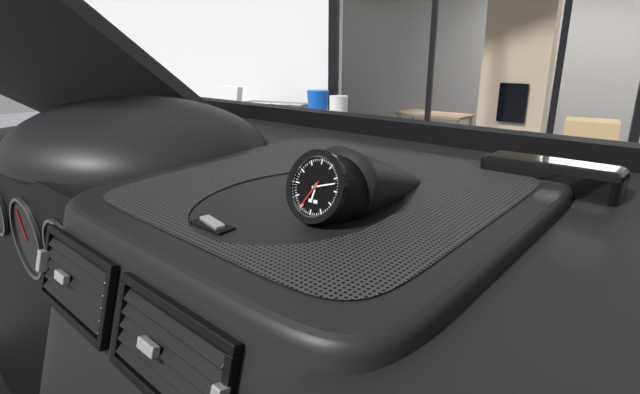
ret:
6,12
